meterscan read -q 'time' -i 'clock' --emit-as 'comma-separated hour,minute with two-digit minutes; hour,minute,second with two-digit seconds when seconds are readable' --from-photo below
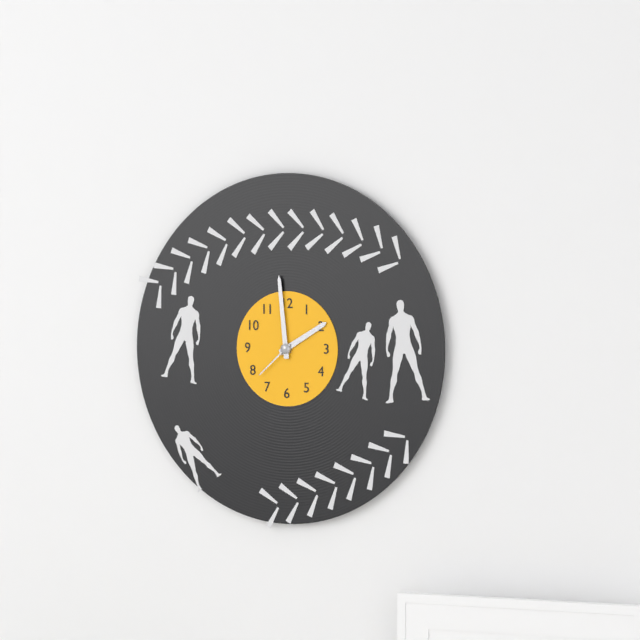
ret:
1,59
